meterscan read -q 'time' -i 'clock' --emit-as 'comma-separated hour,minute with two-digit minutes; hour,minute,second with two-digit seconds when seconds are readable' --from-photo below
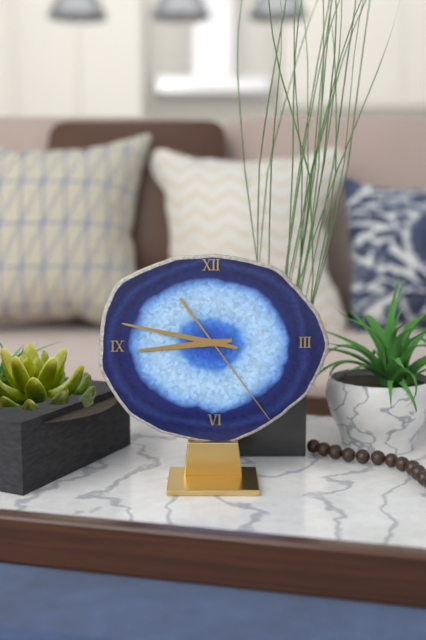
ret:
8,47,24
